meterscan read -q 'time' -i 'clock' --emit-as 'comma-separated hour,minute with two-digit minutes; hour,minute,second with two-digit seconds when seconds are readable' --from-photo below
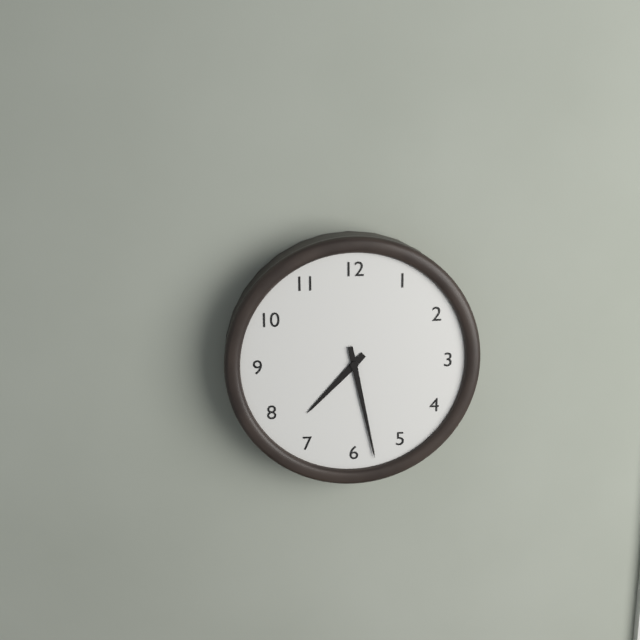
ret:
7,28
